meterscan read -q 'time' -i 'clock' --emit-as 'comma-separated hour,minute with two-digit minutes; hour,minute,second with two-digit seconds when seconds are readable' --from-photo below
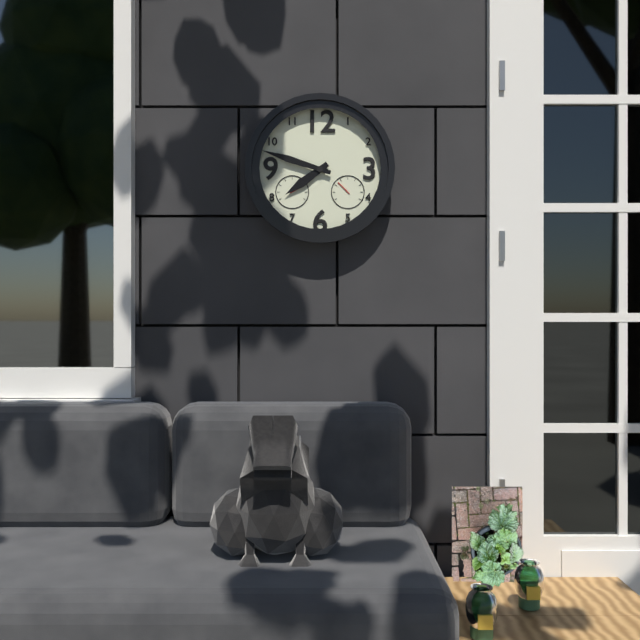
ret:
7,48
